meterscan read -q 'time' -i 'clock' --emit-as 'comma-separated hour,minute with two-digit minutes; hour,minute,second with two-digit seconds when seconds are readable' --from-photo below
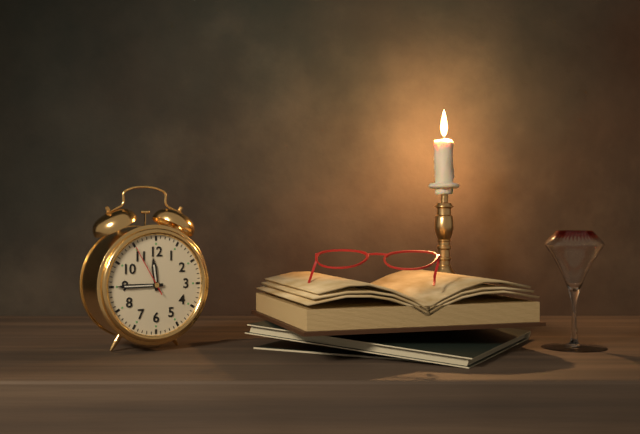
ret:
11,45,55
